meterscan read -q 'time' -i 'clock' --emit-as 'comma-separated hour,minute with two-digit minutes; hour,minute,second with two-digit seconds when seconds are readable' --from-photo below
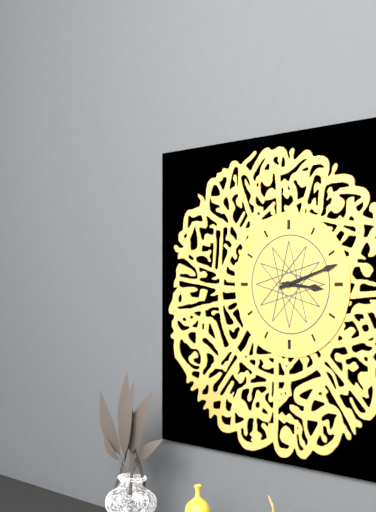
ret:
3,12
